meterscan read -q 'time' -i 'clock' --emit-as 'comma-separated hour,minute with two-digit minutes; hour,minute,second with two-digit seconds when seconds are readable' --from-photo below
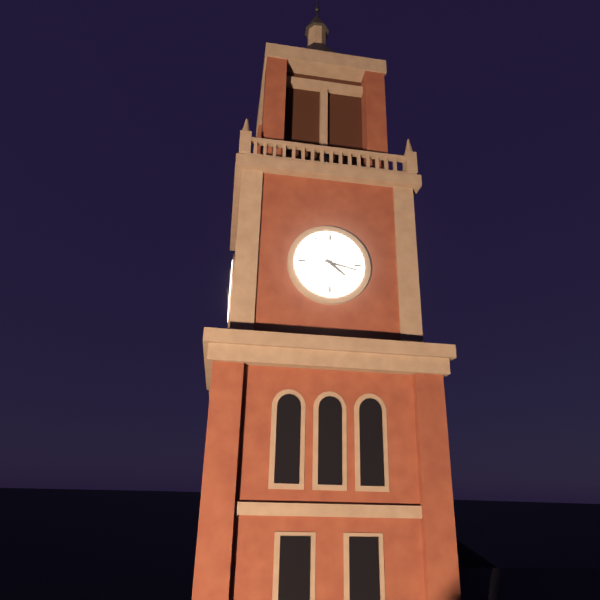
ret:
4,17
